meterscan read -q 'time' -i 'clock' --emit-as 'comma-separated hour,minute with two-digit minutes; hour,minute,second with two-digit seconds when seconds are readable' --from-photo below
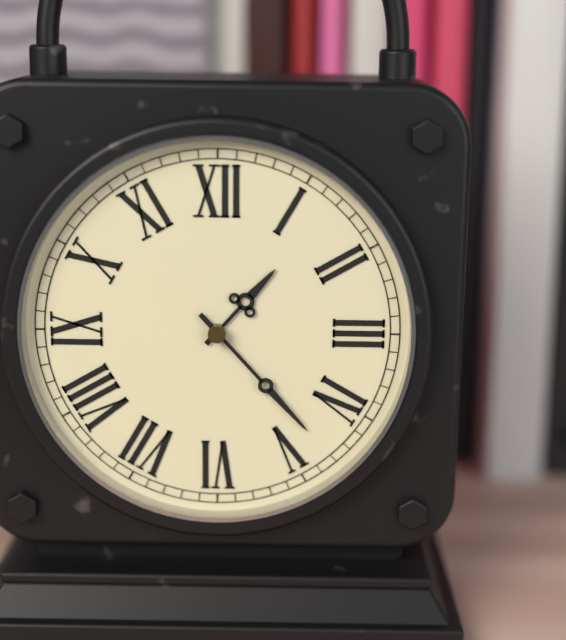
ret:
1,23
